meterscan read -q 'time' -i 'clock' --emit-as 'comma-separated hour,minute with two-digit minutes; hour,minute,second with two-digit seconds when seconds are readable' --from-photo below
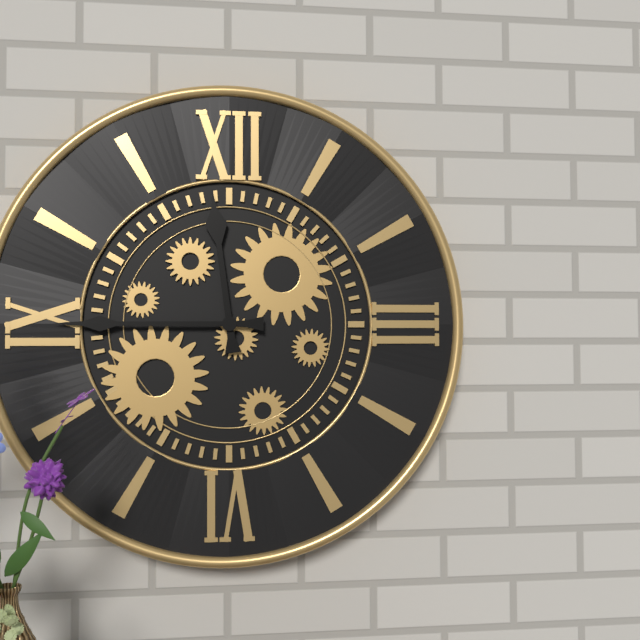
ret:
11,45
